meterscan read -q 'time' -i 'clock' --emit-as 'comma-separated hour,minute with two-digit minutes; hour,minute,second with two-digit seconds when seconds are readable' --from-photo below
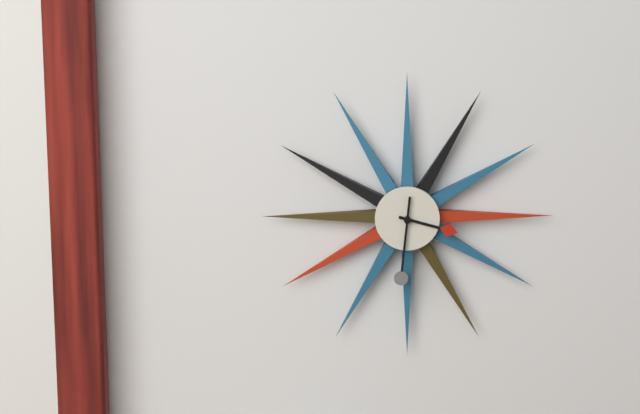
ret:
3,31
